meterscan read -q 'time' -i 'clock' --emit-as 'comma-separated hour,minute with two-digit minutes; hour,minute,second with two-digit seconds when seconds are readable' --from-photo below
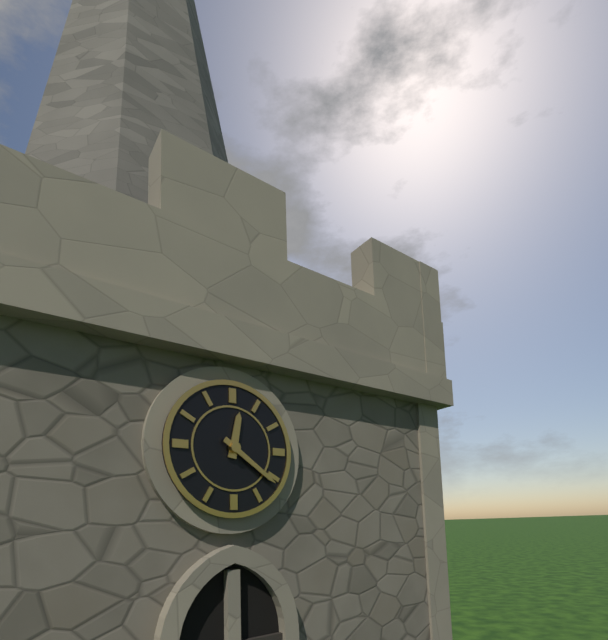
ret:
12,21
